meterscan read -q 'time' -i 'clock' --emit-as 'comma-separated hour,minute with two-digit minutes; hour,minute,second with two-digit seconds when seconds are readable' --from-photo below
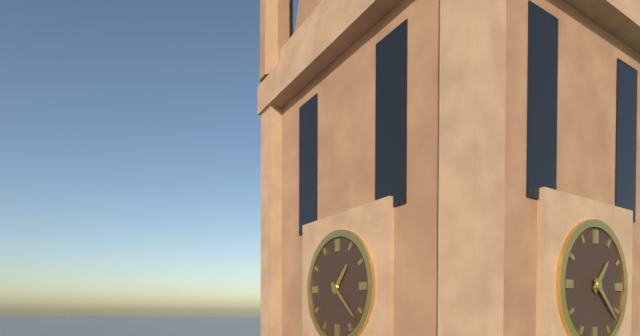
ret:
1,22
